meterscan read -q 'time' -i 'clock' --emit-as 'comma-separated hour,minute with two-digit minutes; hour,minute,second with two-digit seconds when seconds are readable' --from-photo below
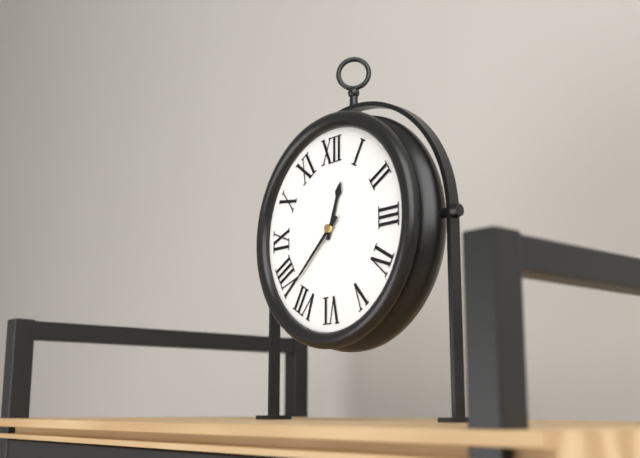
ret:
12,38
